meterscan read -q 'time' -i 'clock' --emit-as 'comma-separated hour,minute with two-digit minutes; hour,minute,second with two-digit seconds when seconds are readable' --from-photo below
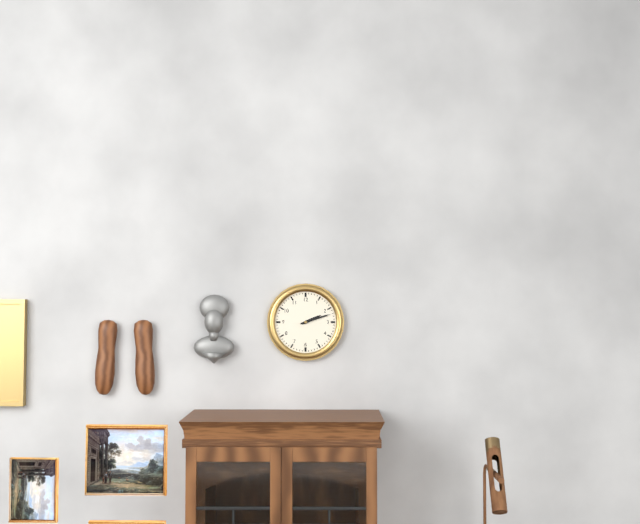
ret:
2,12
